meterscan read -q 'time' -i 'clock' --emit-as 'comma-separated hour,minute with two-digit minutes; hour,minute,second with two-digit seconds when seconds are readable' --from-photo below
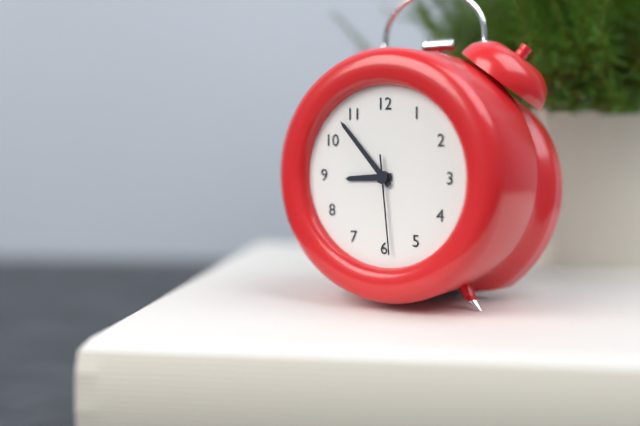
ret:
8,53,29
